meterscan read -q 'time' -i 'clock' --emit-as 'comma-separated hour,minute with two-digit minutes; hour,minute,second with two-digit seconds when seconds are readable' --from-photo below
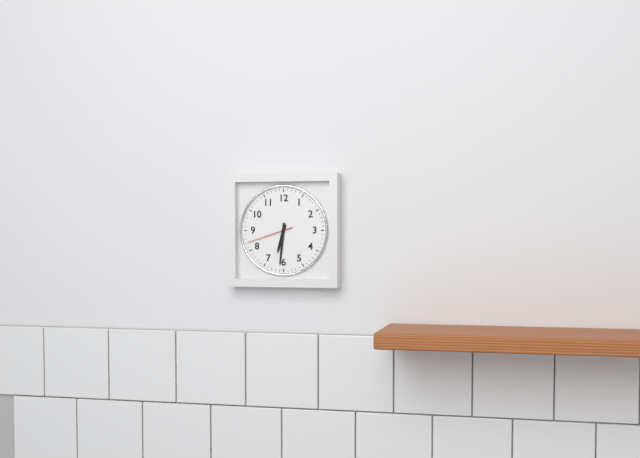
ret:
6,31
